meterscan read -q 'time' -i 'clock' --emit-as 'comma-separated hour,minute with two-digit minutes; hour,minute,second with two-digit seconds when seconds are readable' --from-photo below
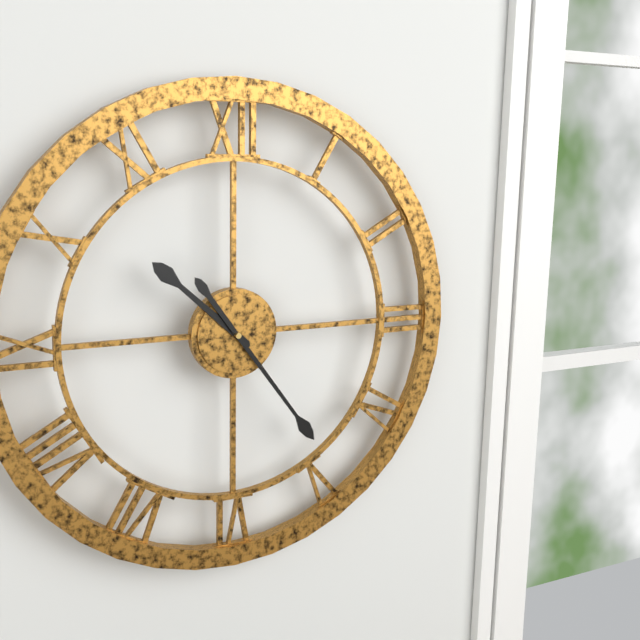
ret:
10,24
